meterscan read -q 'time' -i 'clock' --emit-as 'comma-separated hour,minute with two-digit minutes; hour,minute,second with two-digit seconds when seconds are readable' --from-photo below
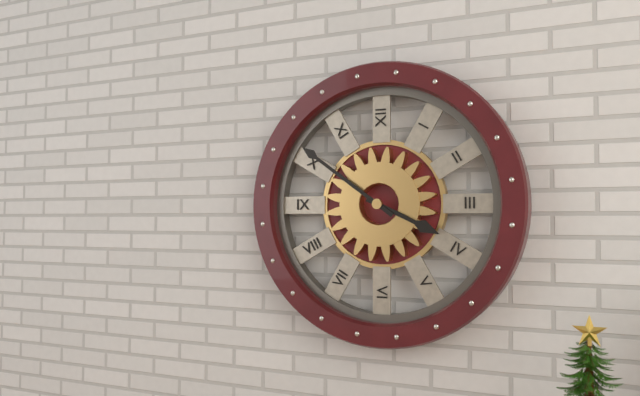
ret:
3,51
